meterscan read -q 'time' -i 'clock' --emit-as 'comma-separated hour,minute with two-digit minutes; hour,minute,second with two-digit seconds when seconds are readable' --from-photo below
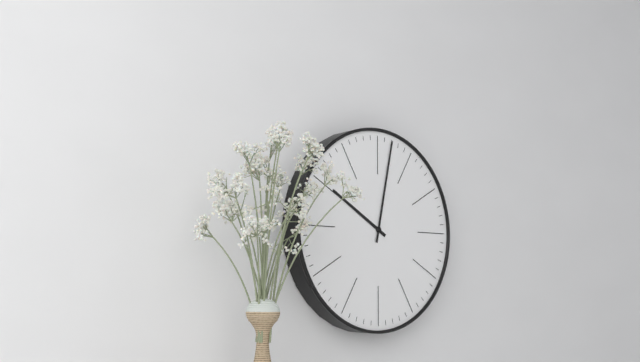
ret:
10,02
